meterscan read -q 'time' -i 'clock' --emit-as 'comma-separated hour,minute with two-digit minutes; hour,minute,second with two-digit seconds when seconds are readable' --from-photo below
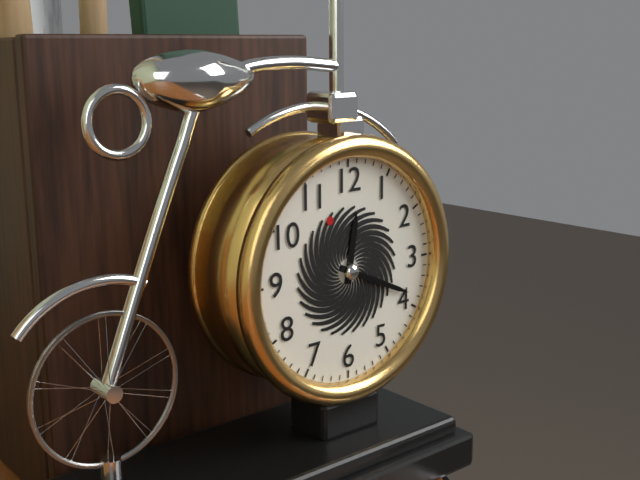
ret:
12,19
